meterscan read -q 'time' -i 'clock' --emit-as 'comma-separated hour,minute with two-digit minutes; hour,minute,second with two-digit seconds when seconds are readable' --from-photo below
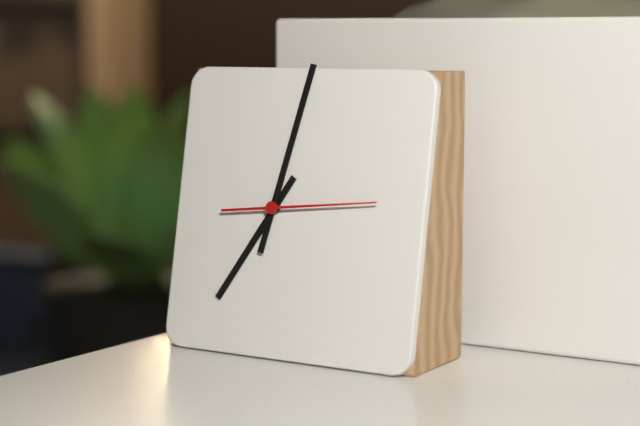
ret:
7,02,14
